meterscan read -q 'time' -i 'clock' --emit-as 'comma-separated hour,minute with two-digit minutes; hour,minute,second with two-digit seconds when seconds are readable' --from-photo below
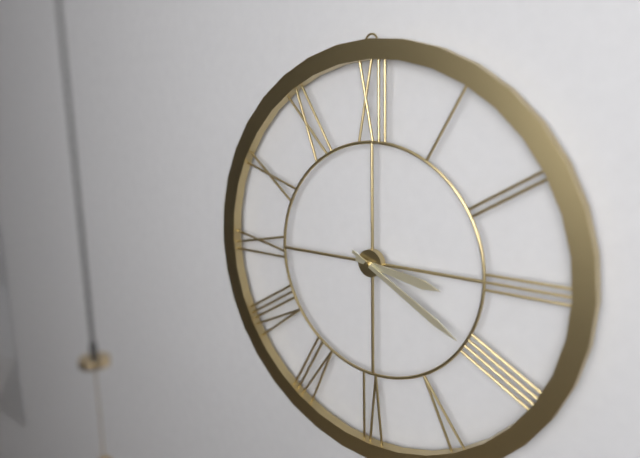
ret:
3,20
